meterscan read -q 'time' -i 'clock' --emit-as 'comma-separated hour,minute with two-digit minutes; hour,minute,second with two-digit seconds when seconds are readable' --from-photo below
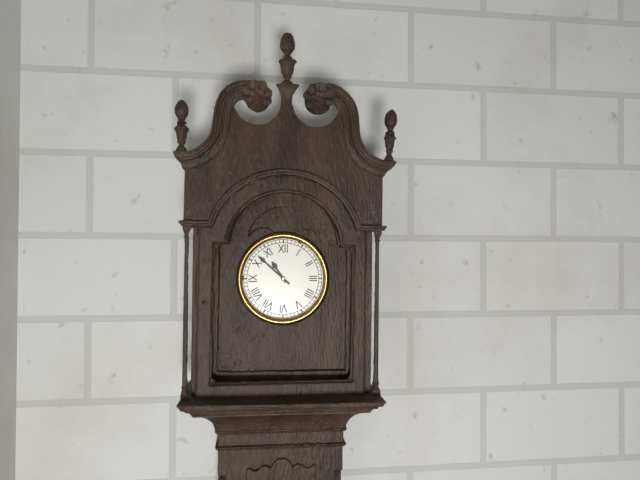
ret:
10,52
